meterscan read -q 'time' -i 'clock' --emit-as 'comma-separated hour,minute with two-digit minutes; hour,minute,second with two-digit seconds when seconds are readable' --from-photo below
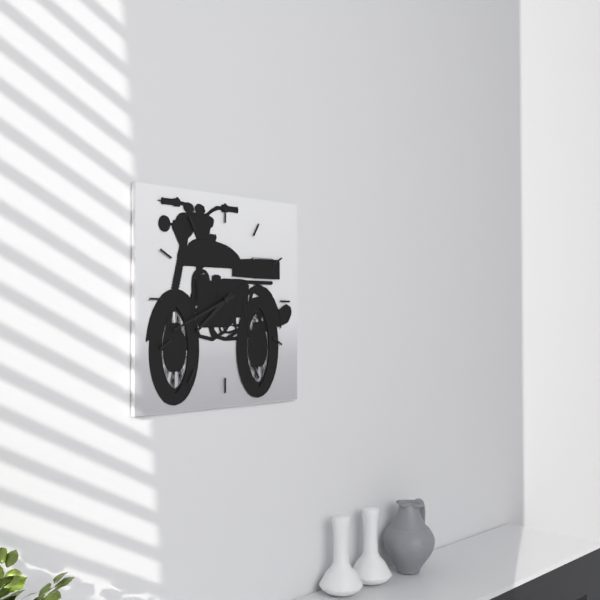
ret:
7,41
